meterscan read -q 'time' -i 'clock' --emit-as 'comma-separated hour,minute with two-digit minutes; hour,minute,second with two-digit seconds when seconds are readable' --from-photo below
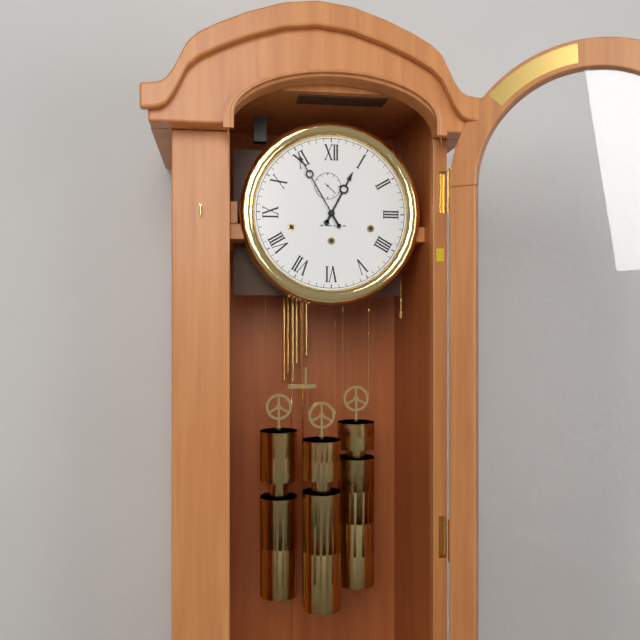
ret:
12,55
